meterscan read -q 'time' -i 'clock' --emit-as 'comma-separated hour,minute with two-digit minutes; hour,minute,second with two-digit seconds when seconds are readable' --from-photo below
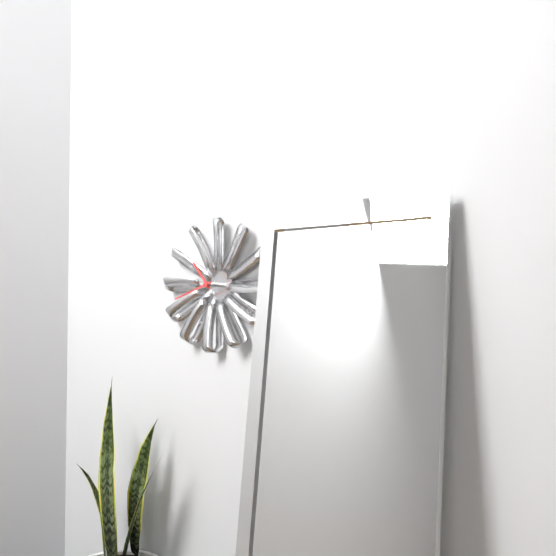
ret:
10,42
